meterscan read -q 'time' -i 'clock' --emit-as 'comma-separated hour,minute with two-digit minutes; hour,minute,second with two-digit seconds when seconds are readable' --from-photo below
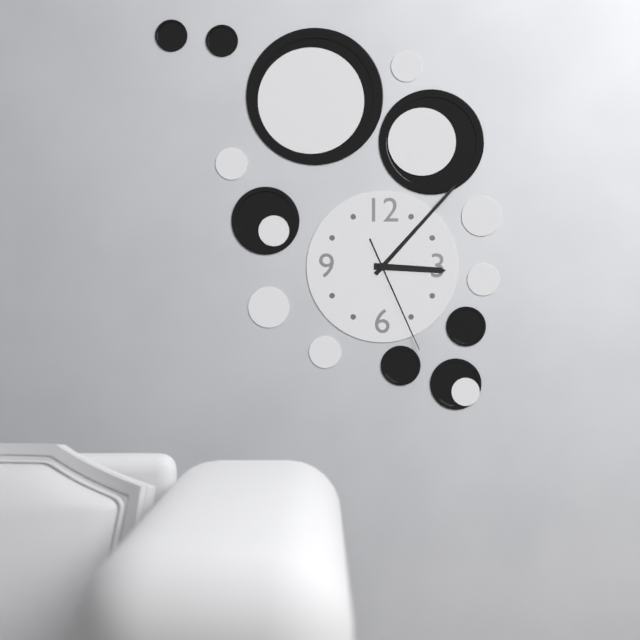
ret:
3,07,26
